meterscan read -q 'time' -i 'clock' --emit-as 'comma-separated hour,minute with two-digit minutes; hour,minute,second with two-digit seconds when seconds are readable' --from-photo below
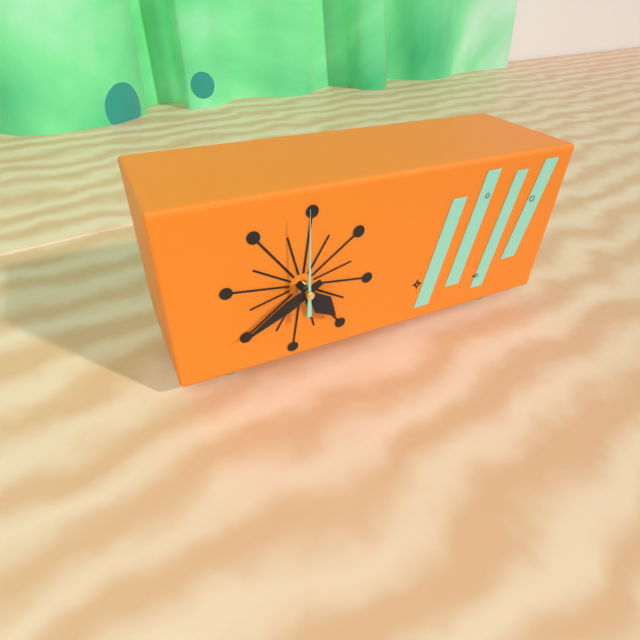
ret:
4,40,00
